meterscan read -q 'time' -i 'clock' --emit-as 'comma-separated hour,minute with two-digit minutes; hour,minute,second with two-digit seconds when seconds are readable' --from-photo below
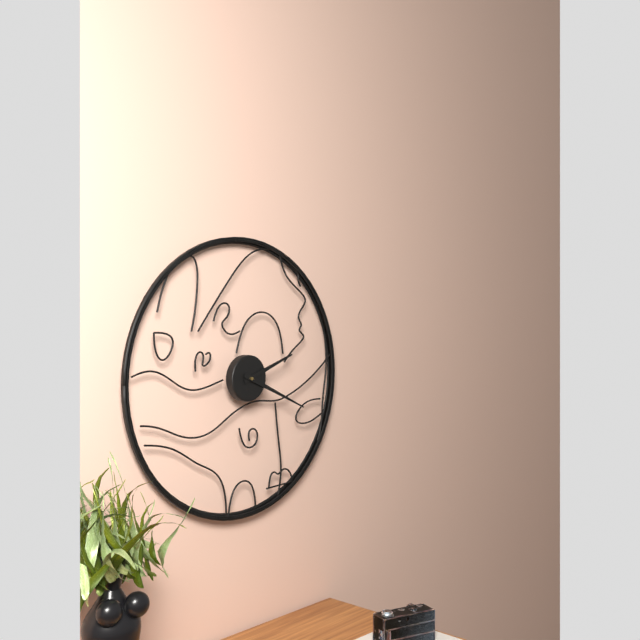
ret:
2,19
